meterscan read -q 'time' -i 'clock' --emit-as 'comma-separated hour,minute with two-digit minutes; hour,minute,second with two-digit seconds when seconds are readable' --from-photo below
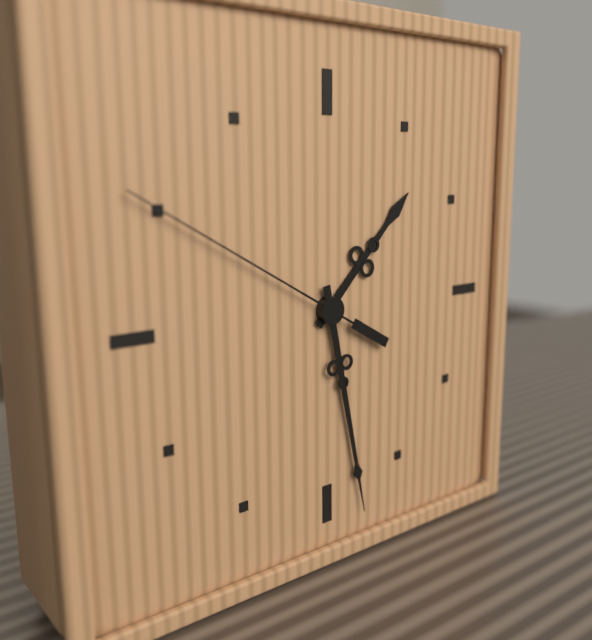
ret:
1,28,50
